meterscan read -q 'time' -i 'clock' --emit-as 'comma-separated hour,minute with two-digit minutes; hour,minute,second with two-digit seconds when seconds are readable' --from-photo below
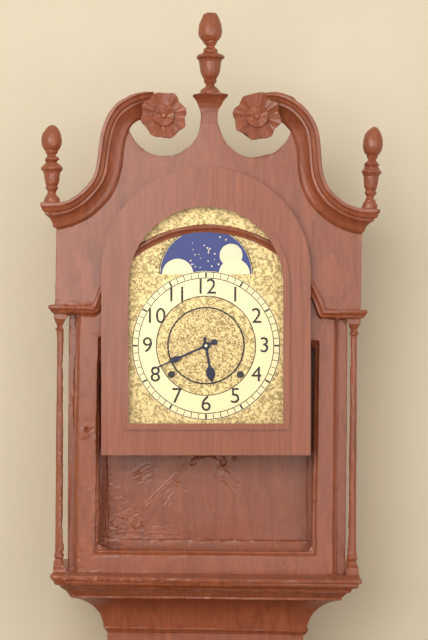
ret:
5,41
